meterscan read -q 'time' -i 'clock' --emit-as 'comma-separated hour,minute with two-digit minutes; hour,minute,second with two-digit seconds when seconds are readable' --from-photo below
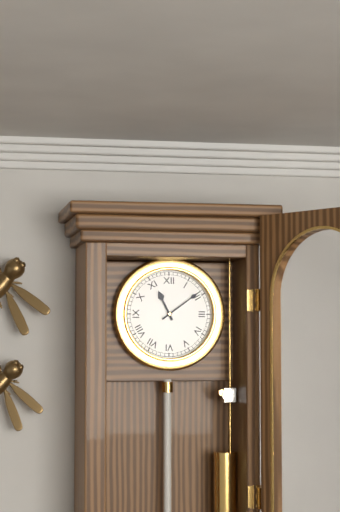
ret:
11,09
